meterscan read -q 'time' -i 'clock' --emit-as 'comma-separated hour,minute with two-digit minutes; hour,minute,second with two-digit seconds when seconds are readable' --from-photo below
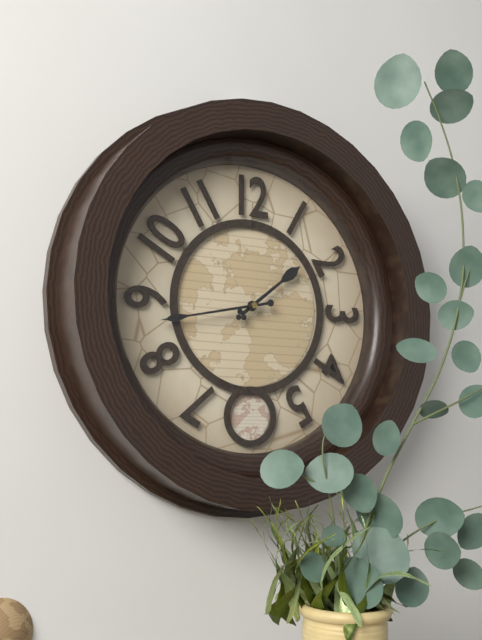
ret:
1,43
